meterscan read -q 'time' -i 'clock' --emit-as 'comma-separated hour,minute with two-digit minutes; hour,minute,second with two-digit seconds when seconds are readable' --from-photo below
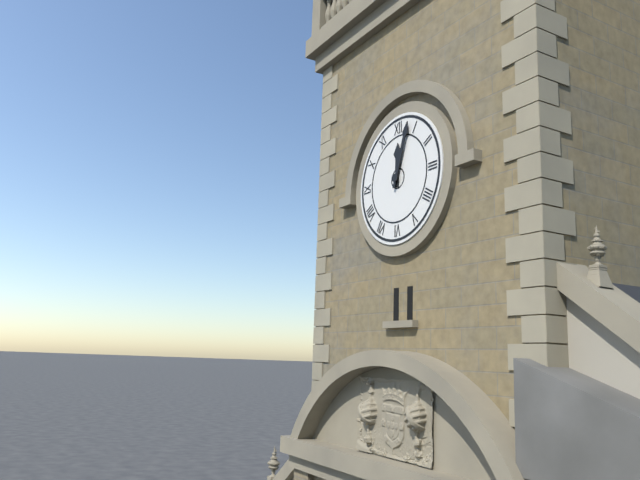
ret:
12,03
